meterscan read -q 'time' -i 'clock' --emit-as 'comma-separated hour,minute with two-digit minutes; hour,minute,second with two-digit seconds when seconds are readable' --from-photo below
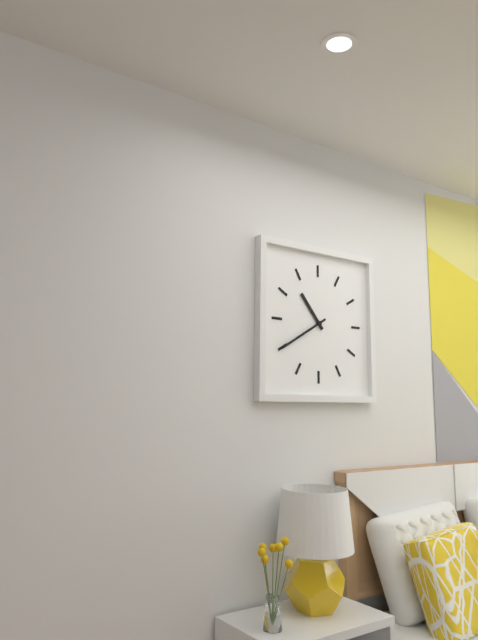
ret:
10,40
